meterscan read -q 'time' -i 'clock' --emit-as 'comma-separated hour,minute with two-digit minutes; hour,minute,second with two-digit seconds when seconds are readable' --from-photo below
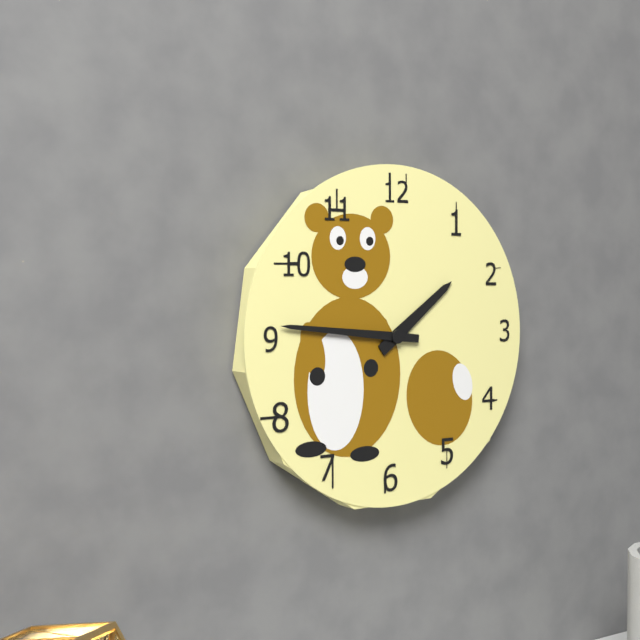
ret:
1,46
